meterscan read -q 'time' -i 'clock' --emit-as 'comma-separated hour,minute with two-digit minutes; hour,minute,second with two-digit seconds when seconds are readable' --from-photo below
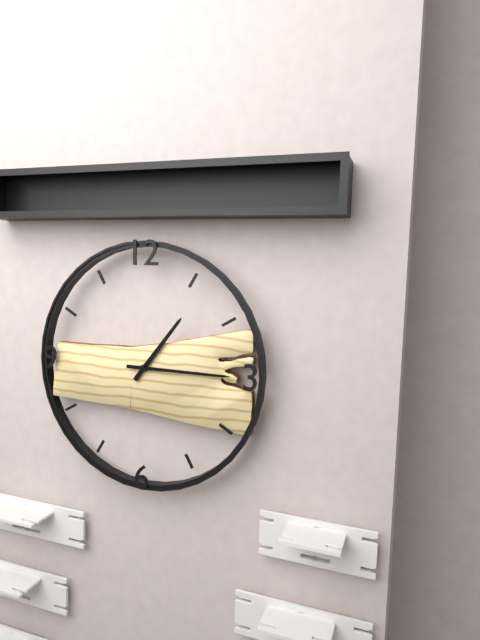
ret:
1,15
